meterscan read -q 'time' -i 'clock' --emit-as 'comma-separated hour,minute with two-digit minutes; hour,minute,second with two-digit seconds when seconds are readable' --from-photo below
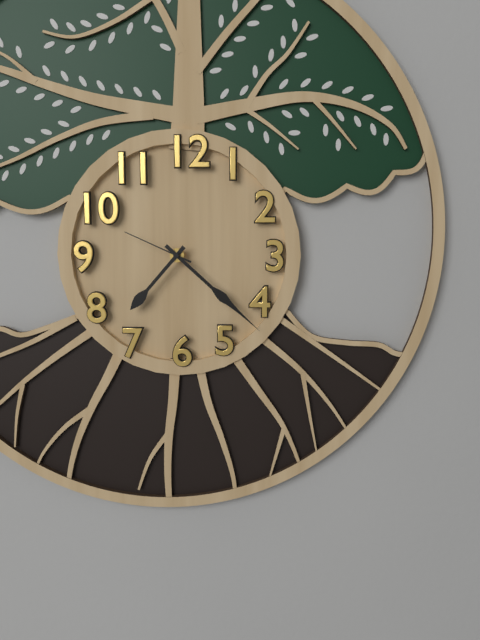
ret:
7,22,49
